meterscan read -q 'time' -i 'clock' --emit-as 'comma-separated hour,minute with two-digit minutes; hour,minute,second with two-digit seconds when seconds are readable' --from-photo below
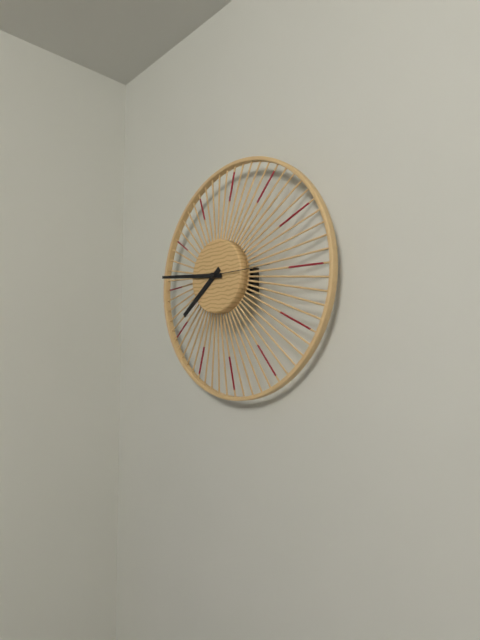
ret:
7,46
